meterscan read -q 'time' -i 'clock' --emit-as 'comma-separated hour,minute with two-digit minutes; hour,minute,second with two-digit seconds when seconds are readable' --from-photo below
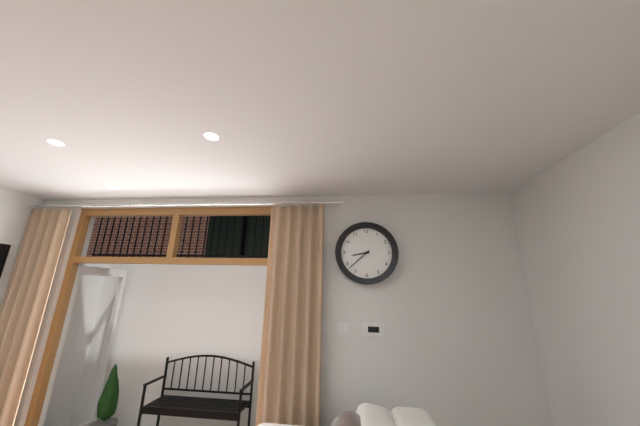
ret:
8,38
